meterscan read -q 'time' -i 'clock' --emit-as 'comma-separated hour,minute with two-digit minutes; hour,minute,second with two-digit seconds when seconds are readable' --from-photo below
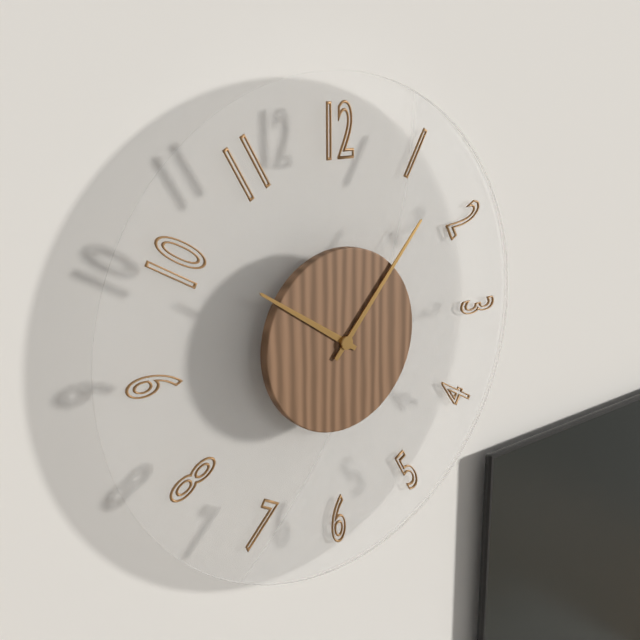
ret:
10,07
